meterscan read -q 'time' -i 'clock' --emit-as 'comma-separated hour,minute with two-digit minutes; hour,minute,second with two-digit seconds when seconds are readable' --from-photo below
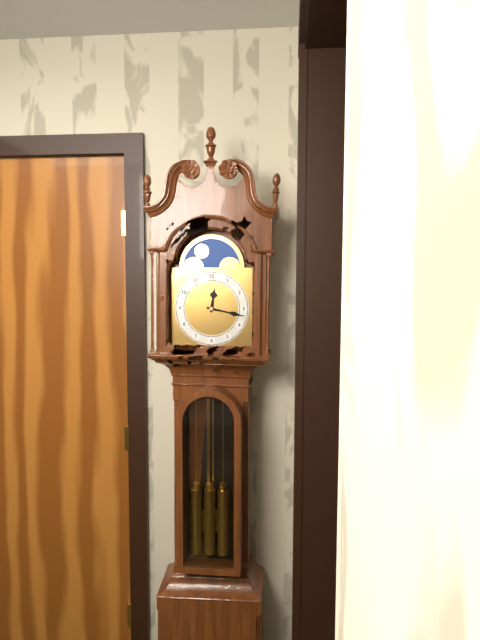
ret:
12,17
